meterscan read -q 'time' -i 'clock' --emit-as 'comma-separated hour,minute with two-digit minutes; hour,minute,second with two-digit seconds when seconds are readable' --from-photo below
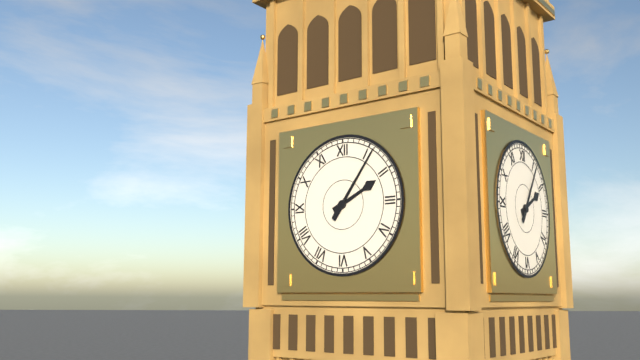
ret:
2,06
